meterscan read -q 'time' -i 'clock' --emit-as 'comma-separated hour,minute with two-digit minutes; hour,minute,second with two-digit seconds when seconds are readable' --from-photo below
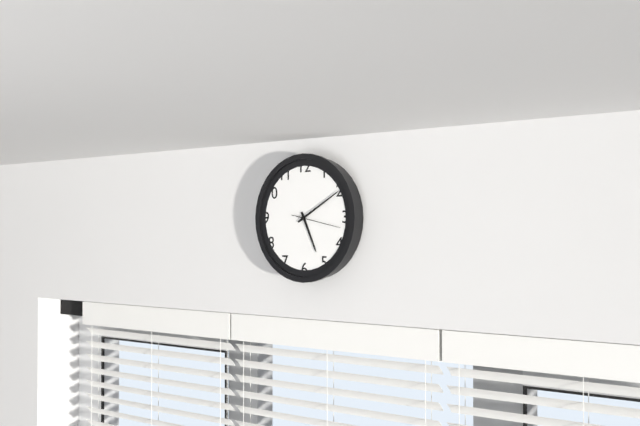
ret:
5,10,17
